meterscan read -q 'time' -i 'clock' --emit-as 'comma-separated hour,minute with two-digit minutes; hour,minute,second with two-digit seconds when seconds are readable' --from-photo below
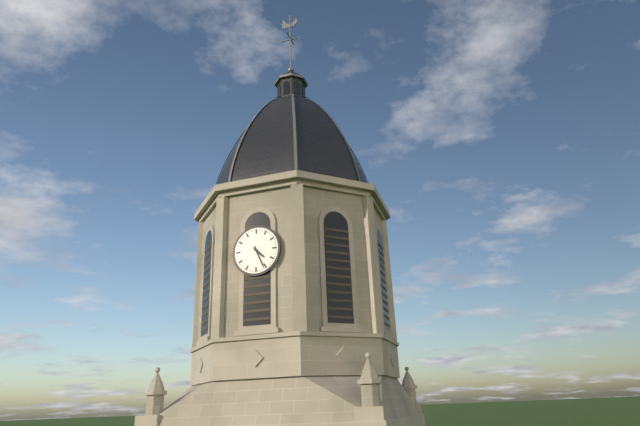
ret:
4,26
